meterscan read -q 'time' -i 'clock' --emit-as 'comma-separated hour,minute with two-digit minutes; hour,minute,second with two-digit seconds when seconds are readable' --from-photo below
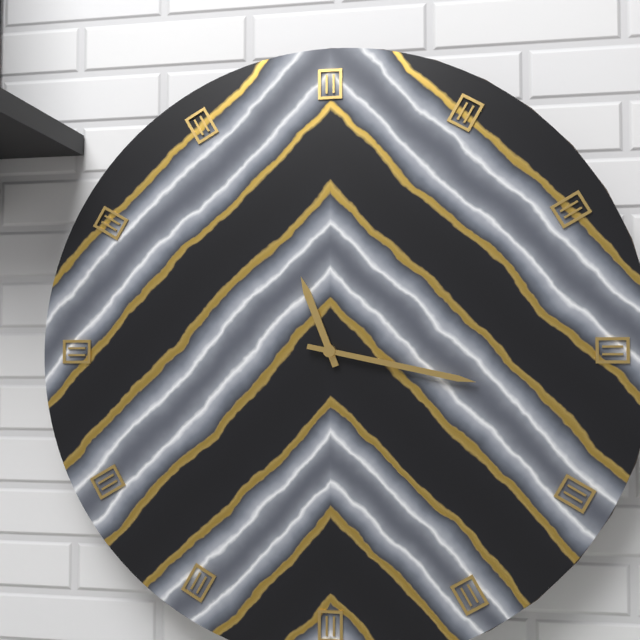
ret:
11,17
